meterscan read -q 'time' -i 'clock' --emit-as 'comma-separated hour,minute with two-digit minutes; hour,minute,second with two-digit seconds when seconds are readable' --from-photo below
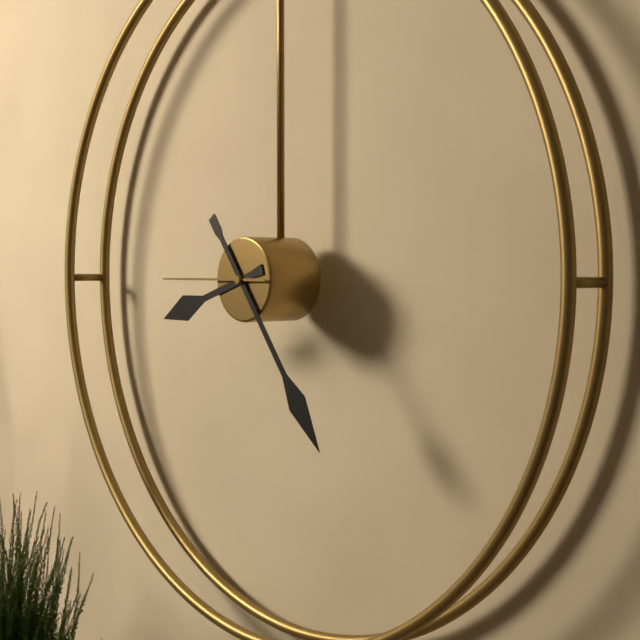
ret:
8,24,45
